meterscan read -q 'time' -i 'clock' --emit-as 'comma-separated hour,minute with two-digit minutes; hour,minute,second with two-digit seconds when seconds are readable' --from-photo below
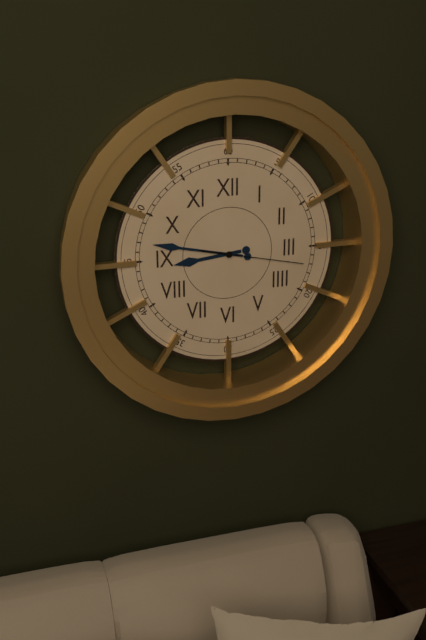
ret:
8,47,17
